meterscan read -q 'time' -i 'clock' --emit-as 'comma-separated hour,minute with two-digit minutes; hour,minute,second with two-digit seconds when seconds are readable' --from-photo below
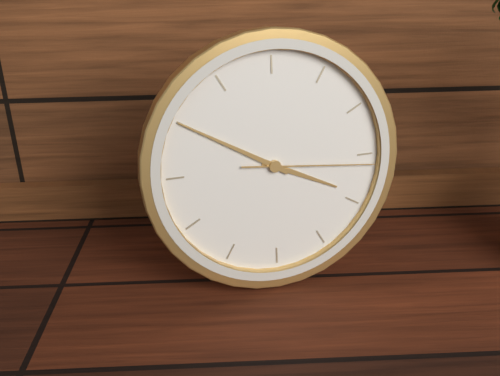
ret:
3,50,16
